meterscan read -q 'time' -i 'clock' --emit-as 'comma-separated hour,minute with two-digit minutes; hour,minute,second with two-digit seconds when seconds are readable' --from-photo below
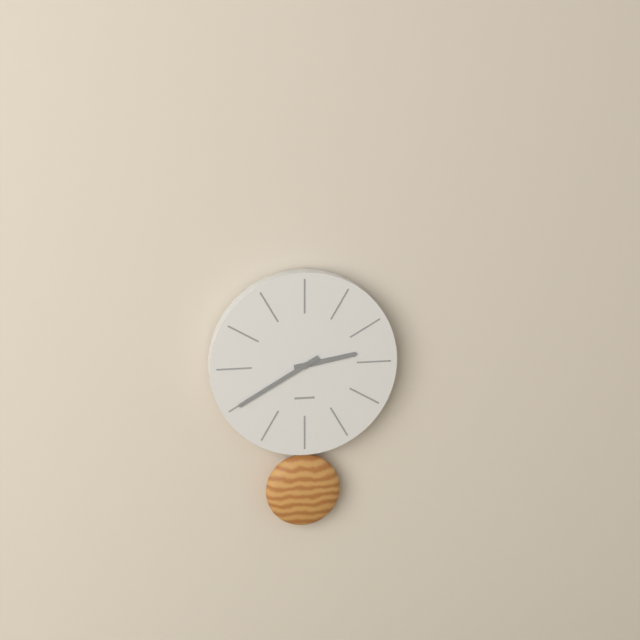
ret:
2,40
